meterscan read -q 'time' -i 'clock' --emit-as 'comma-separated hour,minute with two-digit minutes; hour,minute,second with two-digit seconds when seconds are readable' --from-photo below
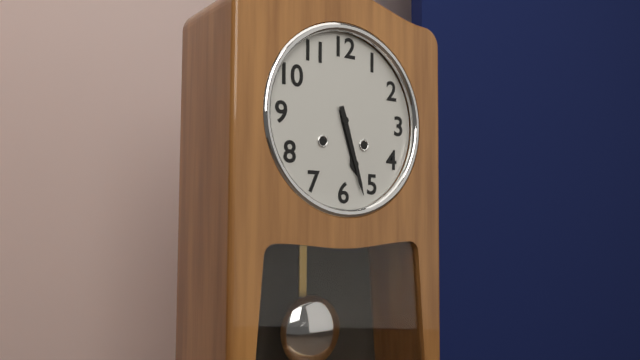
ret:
5,27
